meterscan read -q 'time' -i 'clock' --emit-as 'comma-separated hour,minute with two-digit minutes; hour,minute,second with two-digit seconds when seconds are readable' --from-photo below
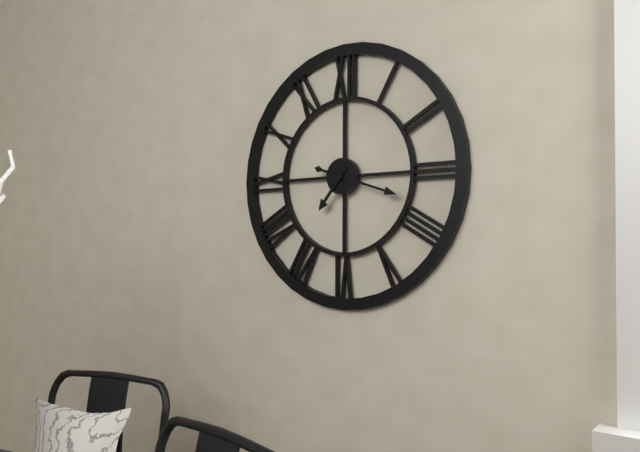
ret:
7,18
